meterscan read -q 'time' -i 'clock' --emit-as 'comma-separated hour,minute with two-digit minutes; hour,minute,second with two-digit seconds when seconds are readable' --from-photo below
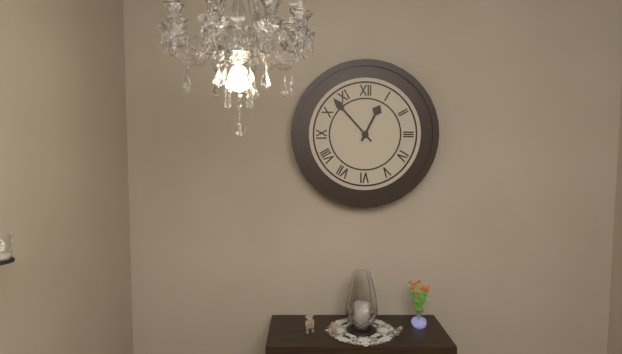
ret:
12,53
